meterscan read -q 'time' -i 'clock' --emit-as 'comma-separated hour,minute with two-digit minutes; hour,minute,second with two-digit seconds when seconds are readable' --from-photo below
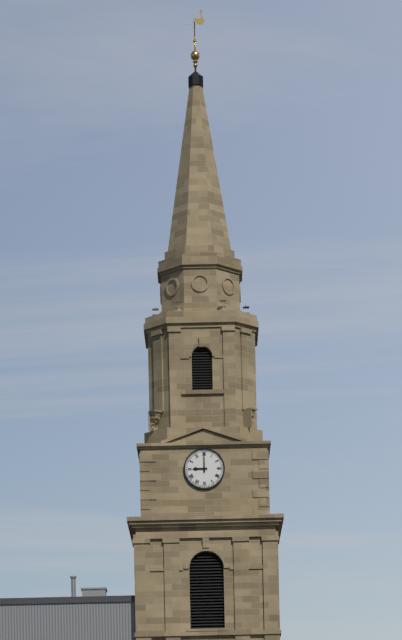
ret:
9,00
